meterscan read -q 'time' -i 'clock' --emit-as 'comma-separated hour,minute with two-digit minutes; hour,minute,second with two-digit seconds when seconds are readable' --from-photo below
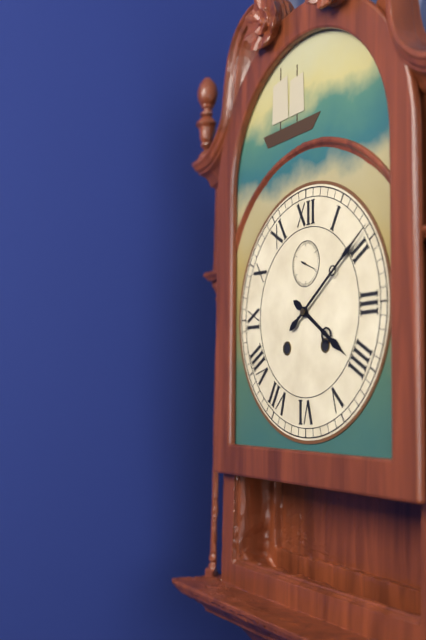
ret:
4,09
